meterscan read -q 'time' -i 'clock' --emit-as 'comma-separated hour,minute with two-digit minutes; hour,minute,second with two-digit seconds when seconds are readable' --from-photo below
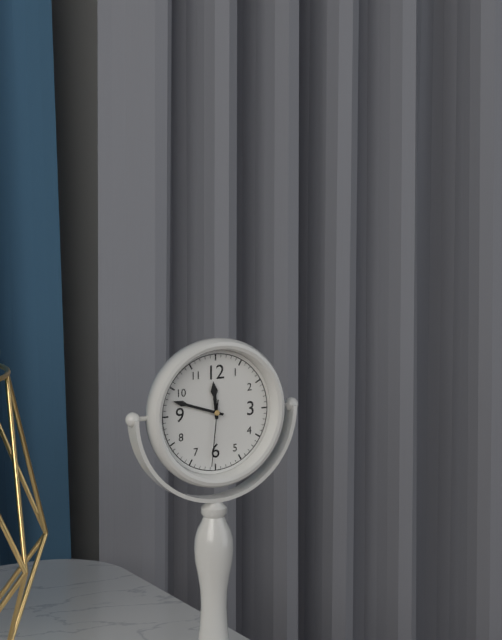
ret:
11,48,31
